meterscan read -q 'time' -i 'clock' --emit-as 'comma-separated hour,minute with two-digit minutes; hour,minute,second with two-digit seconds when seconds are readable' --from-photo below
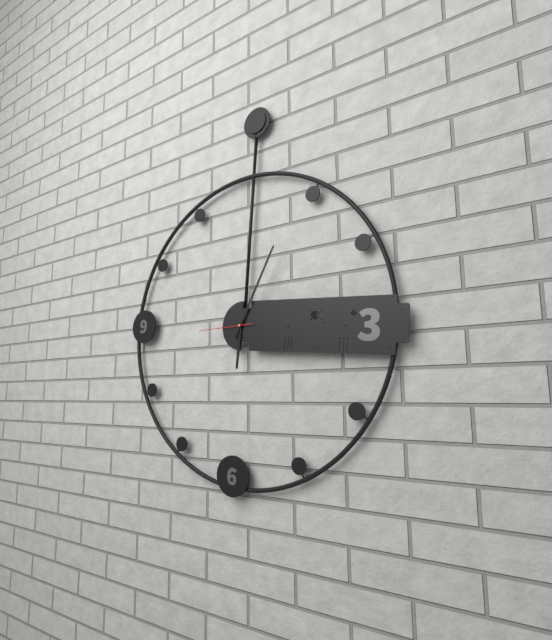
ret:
6,04,44
